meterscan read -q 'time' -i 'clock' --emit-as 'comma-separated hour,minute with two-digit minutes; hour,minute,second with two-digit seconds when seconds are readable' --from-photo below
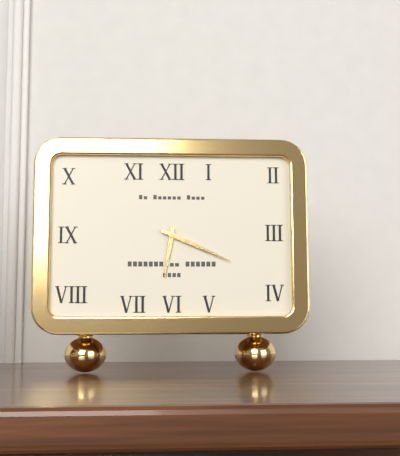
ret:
6,19
